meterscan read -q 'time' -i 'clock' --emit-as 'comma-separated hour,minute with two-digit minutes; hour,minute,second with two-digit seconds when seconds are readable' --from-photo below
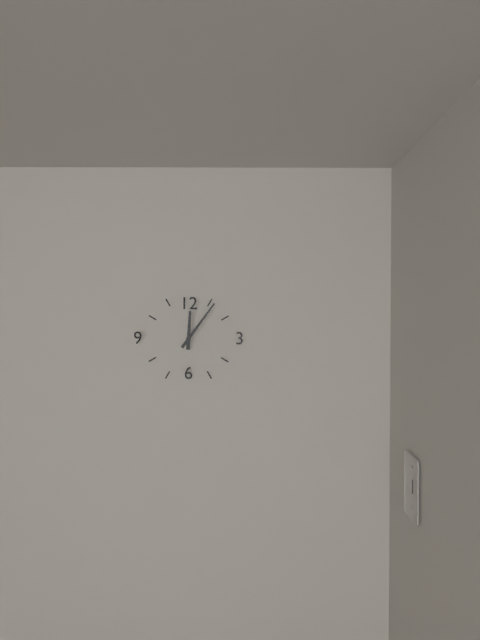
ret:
12,06
